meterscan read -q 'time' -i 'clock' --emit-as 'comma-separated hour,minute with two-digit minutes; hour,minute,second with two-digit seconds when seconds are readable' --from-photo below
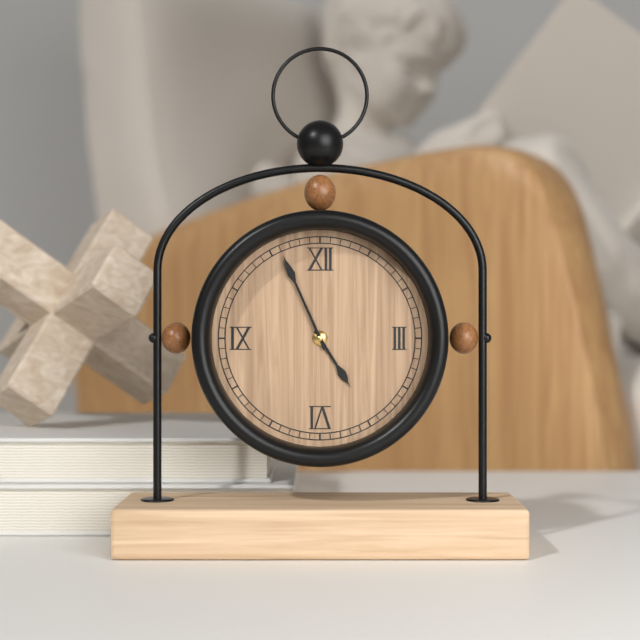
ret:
4,56
